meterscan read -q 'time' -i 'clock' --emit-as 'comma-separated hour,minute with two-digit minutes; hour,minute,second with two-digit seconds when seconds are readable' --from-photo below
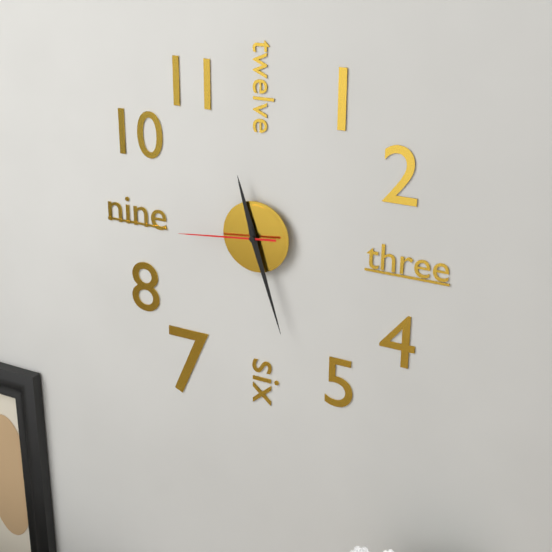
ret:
11,27,44
